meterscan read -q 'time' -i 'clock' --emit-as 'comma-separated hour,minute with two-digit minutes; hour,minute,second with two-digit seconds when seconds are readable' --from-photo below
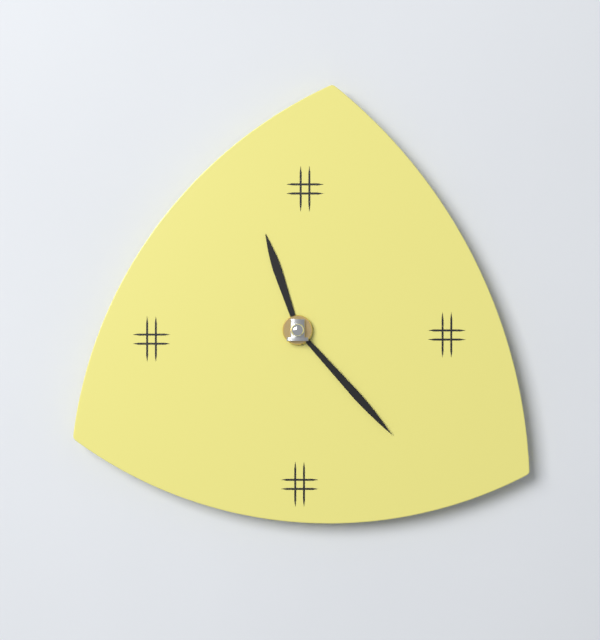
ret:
11,23
